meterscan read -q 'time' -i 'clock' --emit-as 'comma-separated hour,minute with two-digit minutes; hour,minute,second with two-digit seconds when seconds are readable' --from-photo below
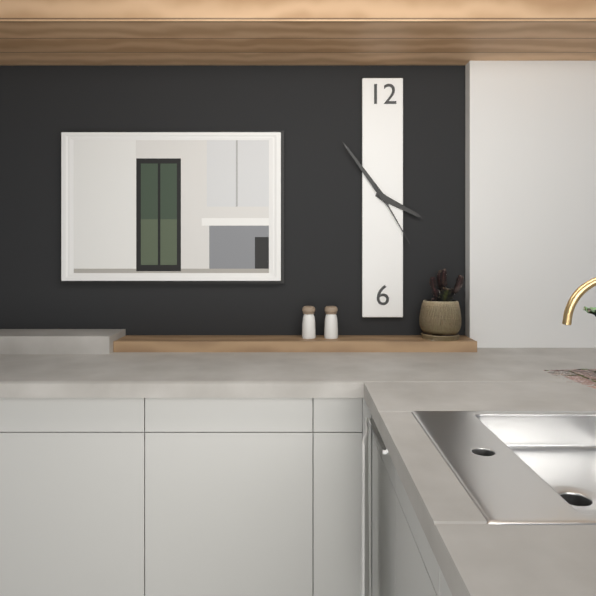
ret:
3,54,25
